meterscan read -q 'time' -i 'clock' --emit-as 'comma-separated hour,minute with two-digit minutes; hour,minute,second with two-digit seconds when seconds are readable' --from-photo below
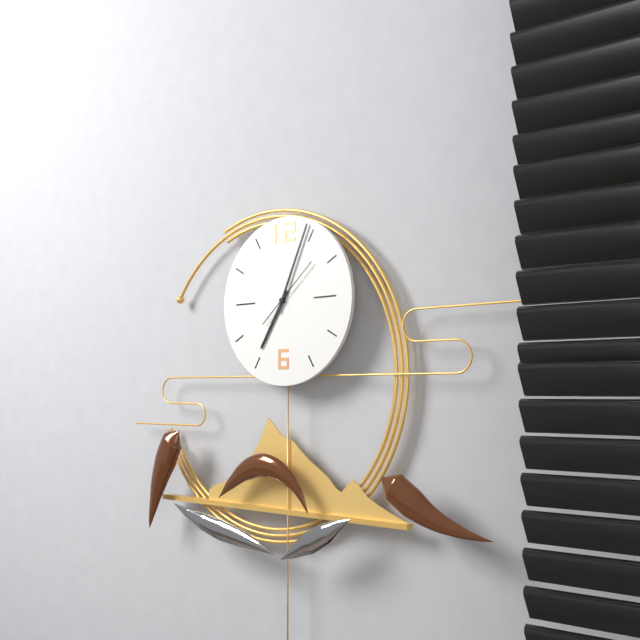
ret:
7,04,08
